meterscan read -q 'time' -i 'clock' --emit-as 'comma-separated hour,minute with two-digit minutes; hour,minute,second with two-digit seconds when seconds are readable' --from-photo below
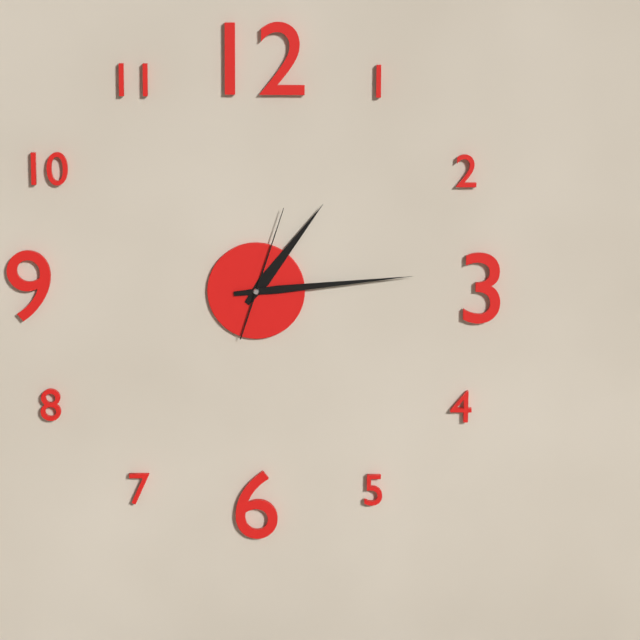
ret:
1,14,03
